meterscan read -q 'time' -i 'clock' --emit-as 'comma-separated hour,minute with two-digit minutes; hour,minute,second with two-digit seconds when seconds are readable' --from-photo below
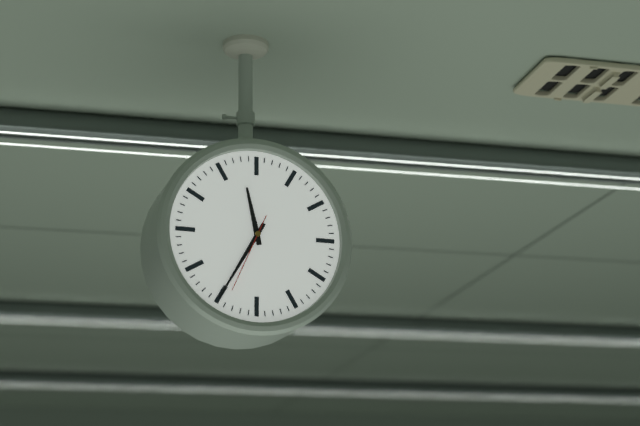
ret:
11,35,34
